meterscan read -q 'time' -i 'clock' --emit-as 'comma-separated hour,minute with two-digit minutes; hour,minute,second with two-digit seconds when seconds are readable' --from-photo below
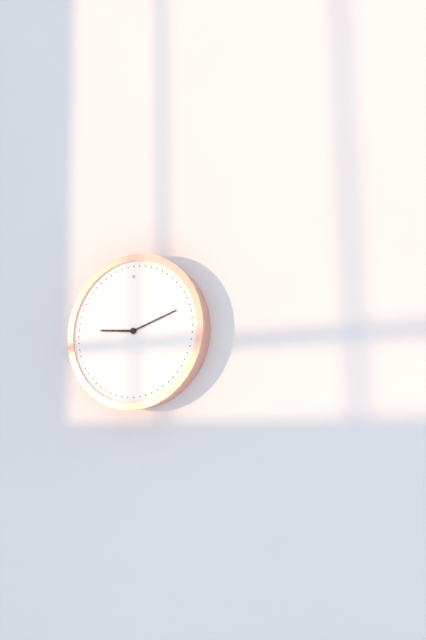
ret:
9,12
